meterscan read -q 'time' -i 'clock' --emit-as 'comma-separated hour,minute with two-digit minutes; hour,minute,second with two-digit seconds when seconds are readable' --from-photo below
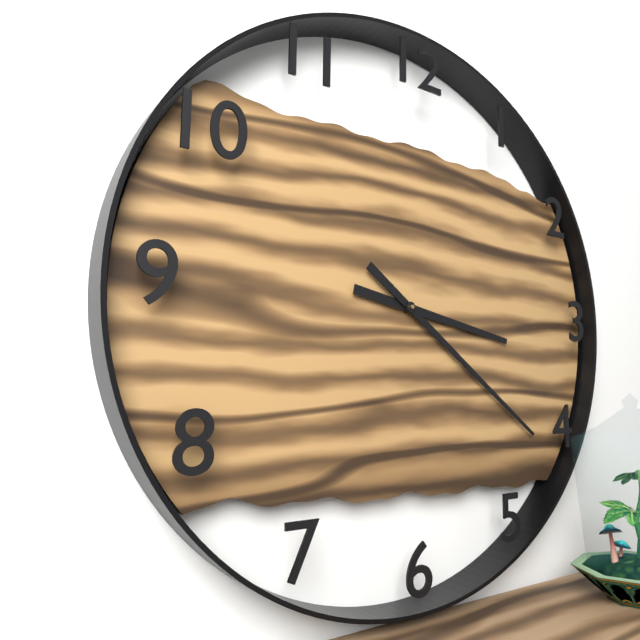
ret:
3,21
